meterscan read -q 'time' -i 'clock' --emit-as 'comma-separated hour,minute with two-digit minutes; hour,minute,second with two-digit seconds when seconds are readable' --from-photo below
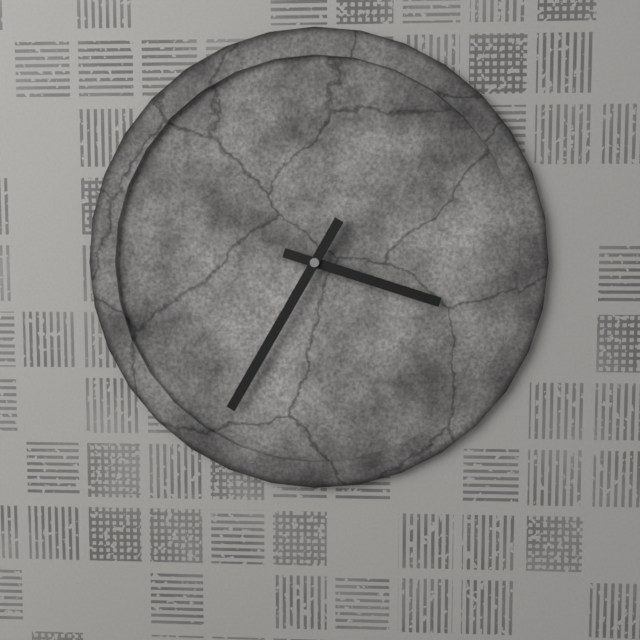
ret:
3,35
